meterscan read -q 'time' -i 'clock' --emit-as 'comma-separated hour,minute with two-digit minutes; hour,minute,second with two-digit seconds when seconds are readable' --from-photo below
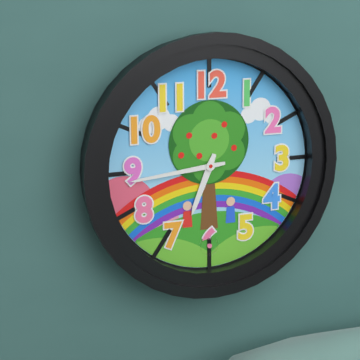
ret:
6,44
